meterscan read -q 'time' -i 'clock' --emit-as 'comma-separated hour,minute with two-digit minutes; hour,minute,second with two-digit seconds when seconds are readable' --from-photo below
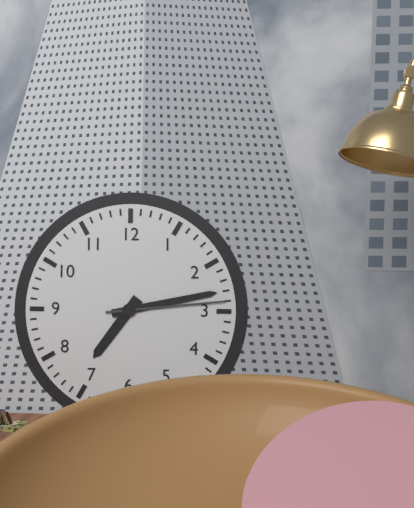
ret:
7,13,14
